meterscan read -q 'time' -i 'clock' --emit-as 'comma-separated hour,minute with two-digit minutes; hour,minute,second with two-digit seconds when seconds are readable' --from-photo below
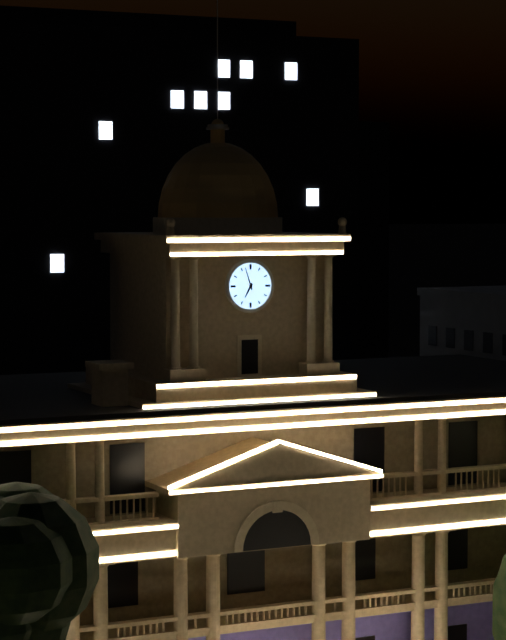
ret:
6,57
